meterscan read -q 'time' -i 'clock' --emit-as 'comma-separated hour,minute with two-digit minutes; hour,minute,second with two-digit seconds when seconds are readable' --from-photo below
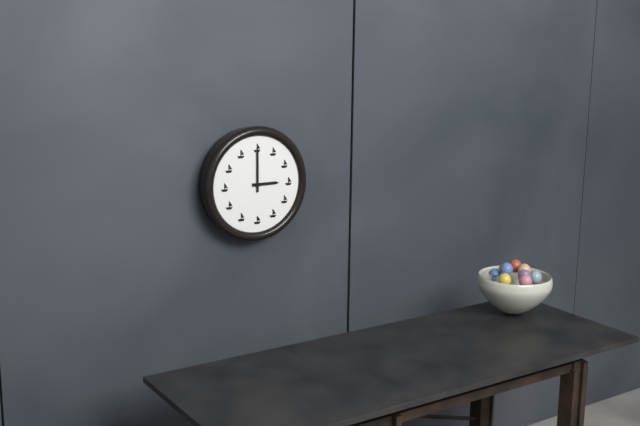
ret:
3,00
